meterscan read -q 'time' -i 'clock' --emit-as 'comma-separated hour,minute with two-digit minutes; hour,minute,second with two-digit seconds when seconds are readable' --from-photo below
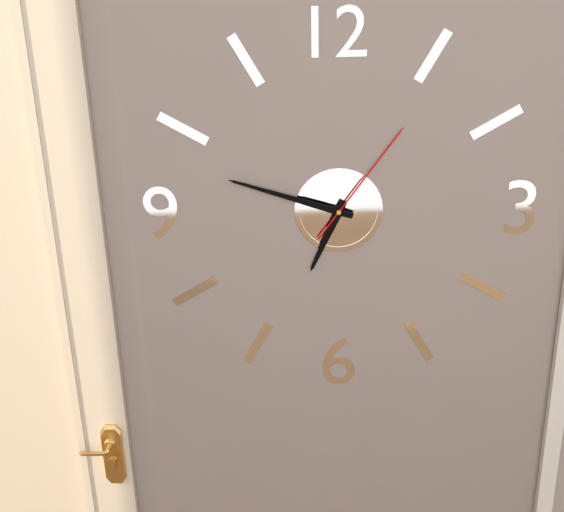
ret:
6,48,06
